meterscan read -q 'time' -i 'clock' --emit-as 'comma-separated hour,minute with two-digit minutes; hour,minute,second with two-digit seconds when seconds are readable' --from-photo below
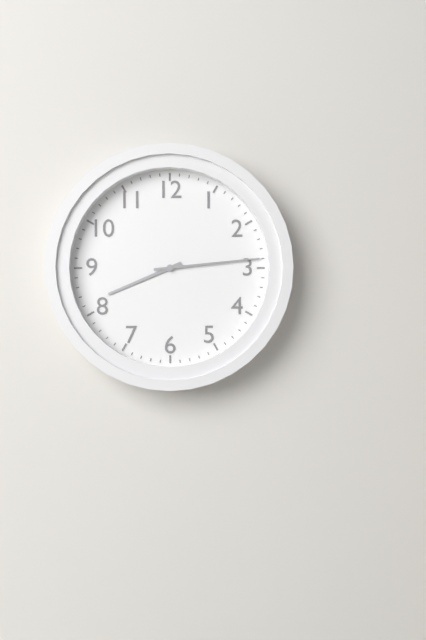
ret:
8,14
